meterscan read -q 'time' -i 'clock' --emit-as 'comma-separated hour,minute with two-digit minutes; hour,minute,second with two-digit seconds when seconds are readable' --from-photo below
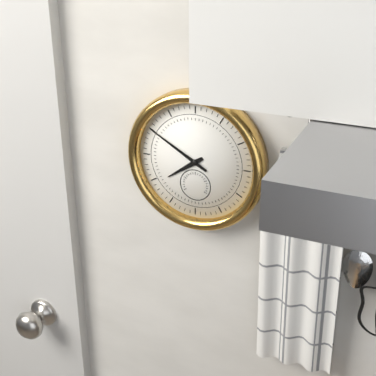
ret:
7,50
